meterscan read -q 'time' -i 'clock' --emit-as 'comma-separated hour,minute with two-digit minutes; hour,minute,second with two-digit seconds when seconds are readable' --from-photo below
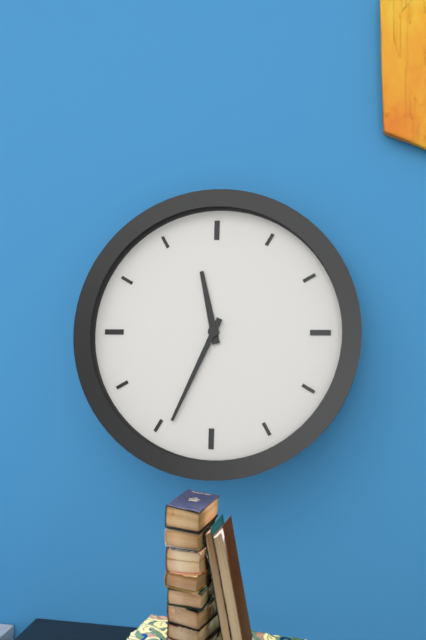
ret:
11,34
